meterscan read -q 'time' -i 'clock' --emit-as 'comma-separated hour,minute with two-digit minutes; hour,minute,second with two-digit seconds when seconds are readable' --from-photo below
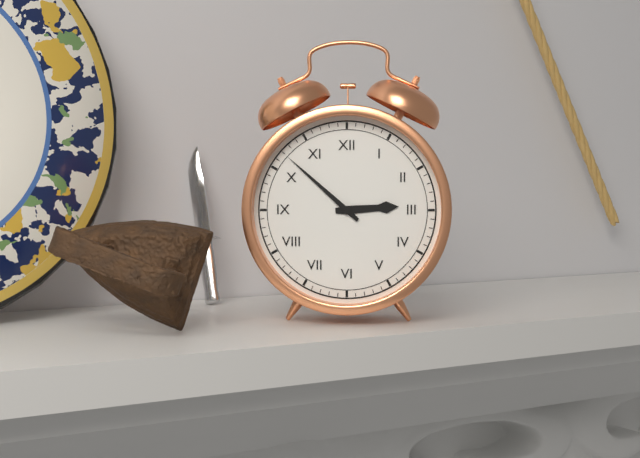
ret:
2,52
